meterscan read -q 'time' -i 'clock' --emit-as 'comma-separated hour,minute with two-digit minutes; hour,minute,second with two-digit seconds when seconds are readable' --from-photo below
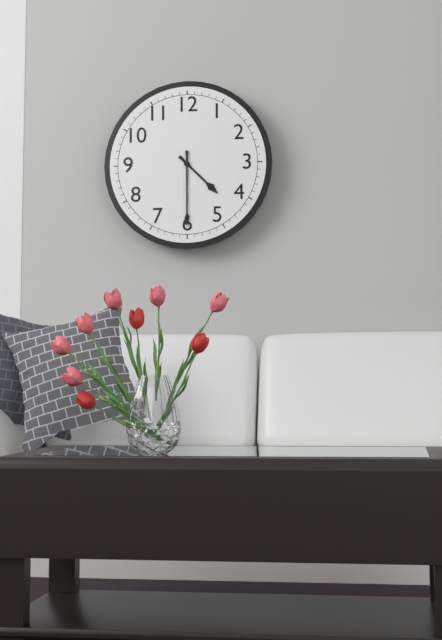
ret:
4,30
